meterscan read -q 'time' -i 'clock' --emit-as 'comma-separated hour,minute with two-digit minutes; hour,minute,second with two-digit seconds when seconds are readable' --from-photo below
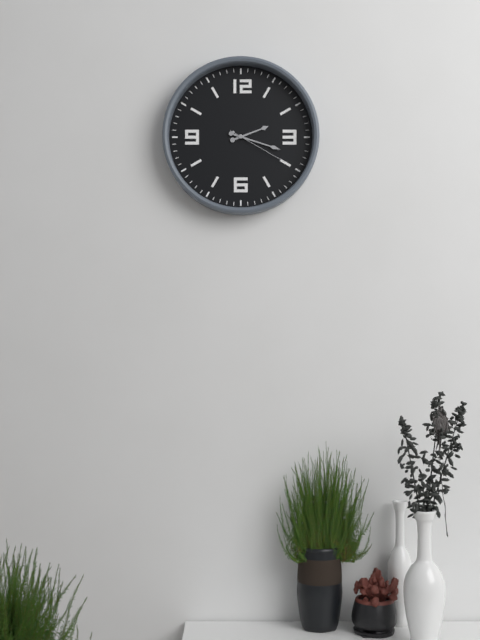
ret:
2,18,20
